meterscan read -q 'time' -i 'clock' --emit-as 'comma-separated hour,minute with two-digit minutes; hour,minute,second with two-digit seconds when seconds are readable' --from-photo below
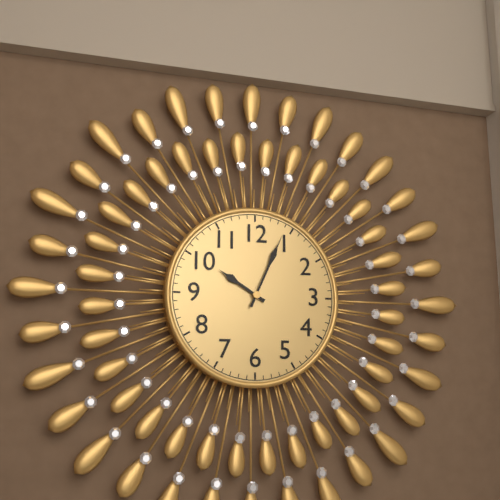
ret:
10,04
